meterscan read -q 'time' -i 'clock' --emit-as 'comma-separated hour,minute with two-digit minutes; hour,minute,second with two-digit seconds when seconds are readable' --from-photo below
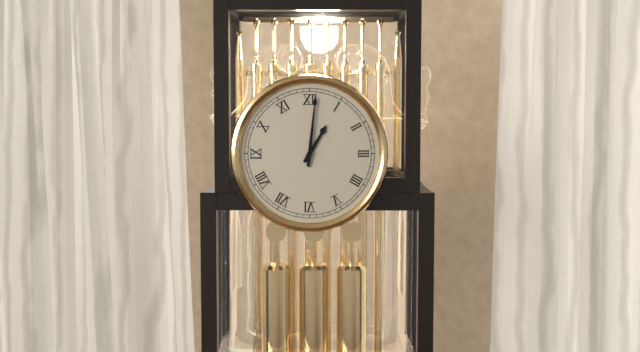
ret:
1,01
